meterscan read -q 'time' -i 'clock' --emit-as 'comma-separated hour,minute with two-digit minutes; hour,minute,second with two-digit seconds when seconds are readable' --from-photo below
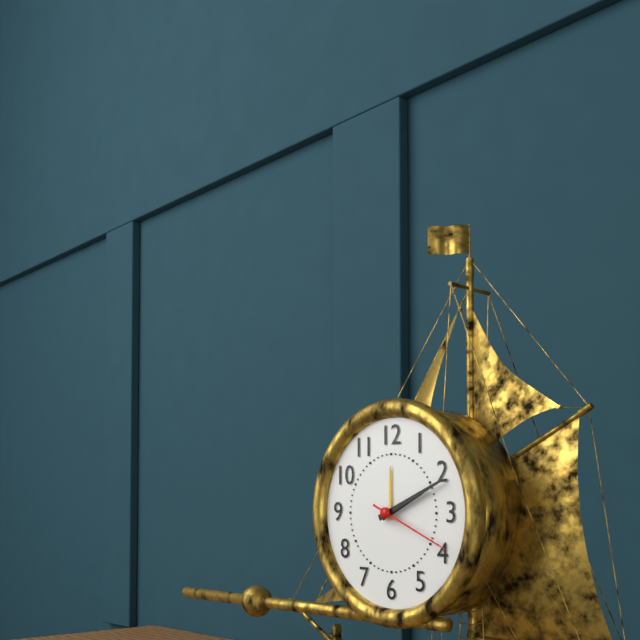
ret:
2,11,19
